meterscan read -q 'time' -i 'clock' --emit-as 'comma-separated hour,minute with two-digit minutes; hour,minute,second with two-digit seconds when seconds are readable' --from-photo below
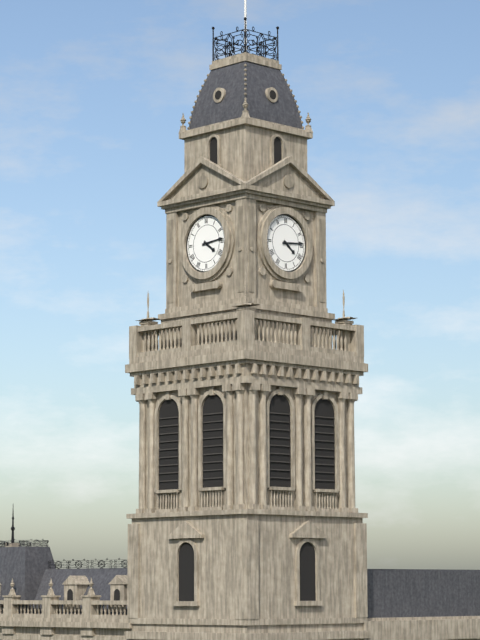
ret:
4,14
